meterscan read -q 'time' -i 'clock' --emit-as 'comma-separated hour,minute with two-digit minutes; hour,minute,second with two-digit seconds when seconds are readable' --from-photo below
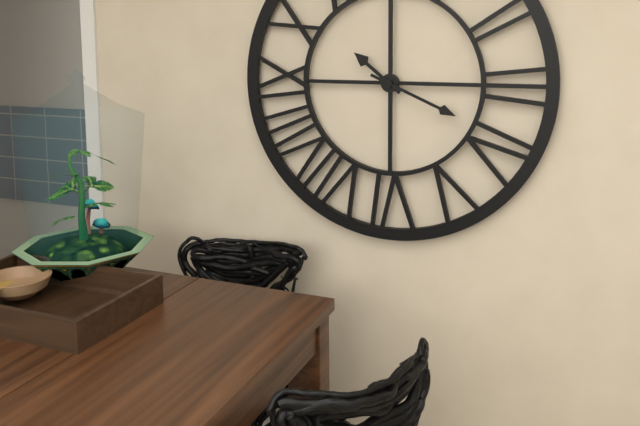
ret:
10,19
